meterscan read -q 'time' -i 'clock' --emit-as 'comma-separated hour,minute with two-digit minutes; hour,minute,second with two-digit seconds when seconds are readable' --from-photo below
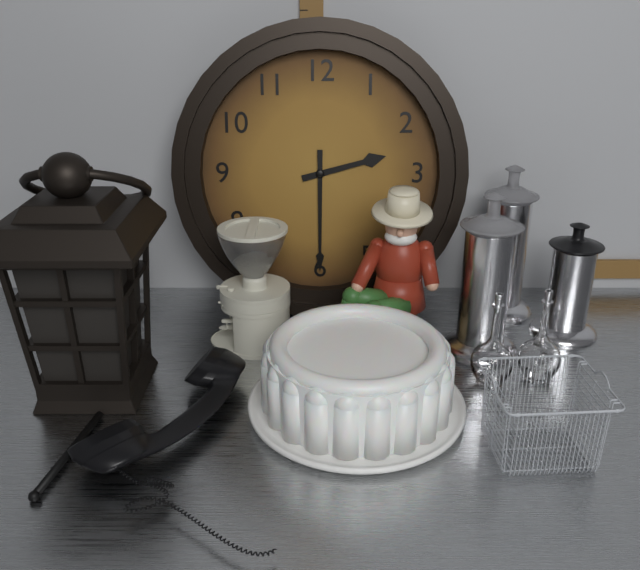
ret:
2,30
